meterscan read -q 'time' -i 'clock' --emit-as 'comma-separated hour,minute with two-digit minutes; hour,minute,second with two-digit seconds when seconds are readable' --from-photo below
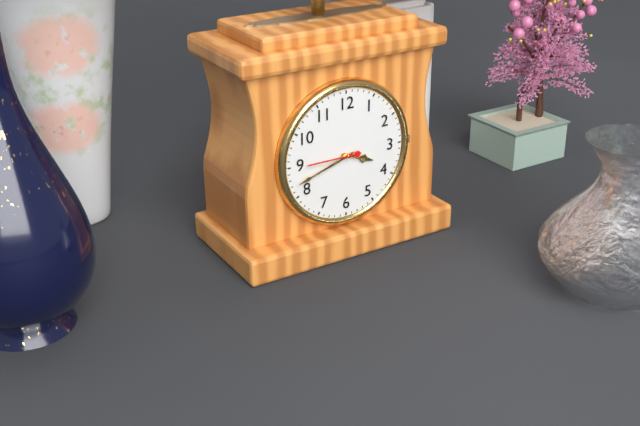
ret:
3,42,45
